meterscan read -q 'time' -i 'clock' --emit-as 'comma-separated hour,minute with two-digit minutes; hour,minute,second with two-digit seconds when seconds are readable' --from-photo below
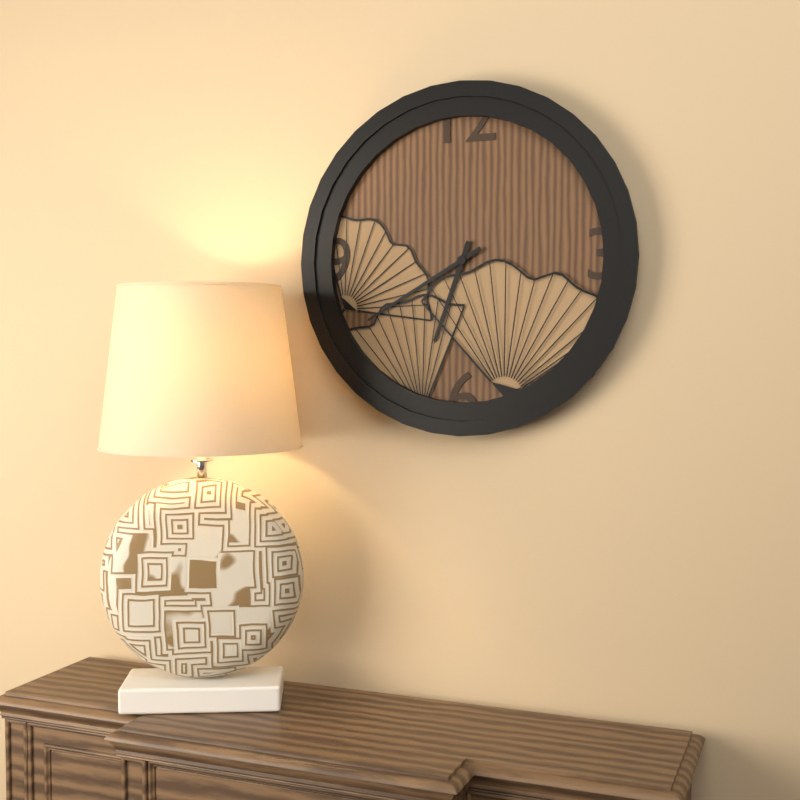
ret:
6,40
